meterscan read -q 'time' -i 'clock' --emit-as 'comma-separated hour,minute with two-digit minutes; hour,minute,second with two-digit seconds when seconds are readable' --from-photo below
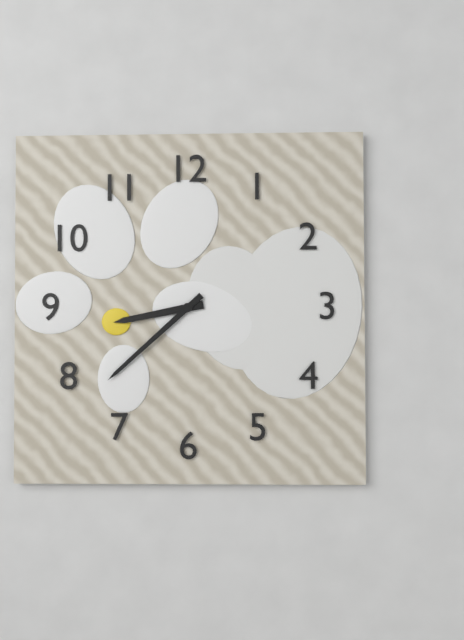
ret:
8,38
